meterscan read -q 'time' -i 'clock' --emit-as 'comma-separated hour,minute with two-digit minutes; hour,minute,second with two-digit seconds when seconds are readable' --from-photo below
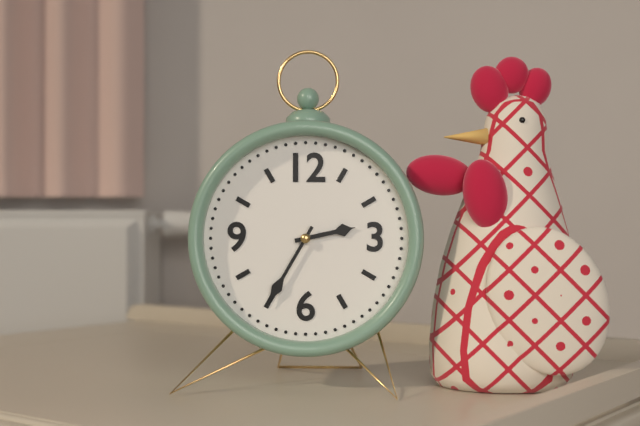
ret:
2,35
